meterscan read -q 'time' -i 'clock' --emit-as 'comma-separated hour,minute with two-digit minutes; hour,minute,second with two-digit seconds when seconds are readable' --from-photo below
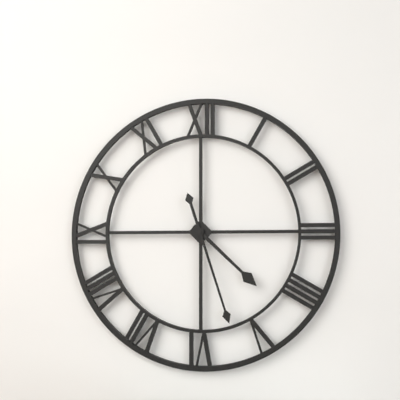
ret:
4,27
